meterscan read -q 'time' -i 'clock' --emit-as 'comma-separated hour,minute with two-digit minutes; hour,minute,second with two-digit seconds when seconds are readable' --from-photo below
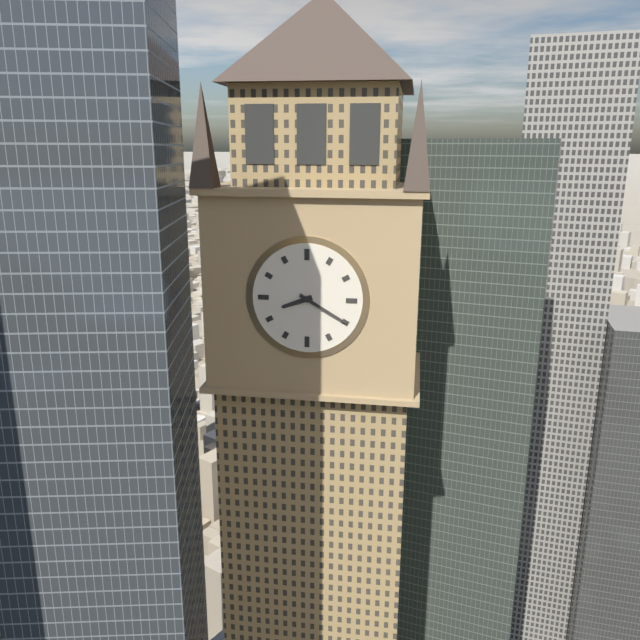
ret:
8,20
